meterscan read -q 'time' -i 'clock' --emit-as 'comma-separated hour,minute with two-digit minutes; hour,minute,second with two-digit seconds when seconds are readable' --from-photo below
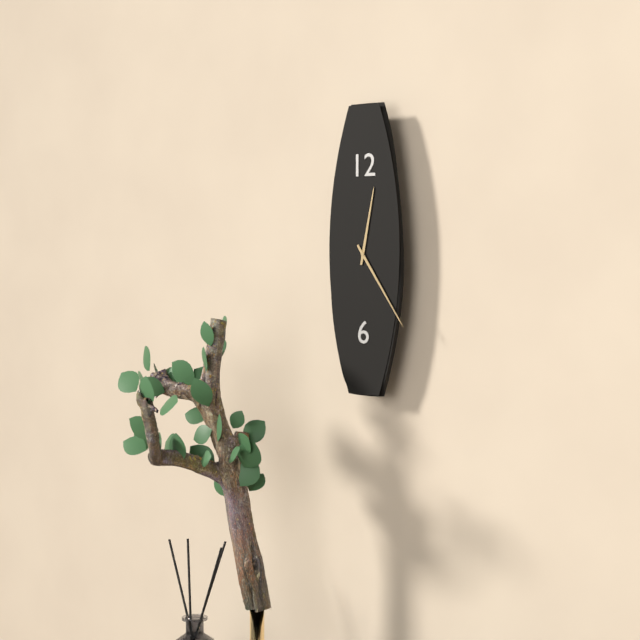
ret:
12,24
